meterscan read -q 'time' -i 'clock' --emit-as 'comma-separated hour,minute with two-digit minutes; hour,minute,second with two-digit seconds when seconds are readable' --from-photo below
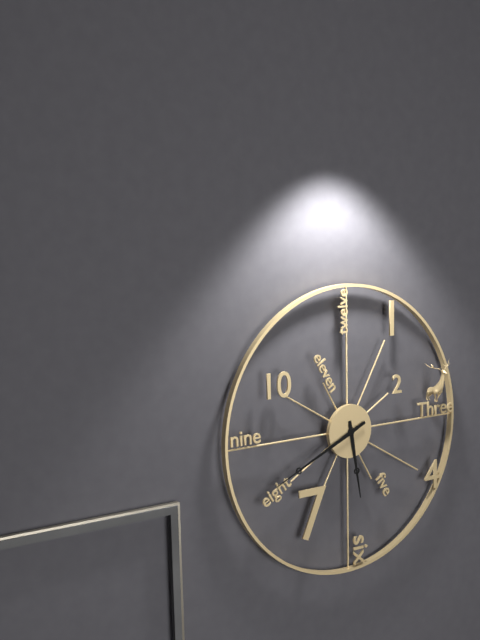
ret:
5,41
